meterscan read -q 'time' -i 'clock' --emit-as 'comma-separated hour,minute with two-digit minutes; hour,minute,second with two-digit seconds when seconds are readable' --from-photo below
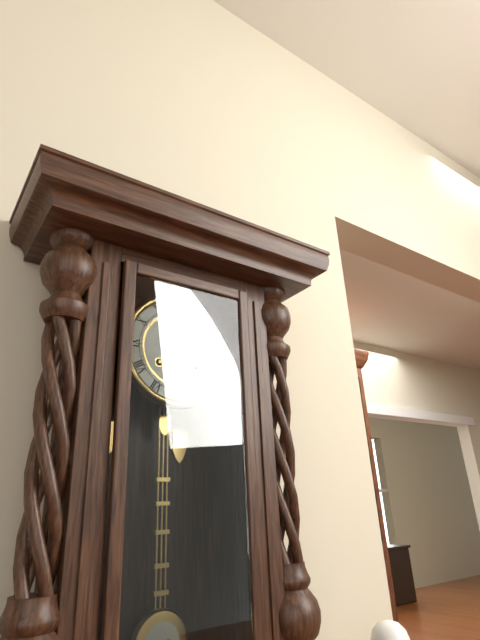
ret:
12,20
